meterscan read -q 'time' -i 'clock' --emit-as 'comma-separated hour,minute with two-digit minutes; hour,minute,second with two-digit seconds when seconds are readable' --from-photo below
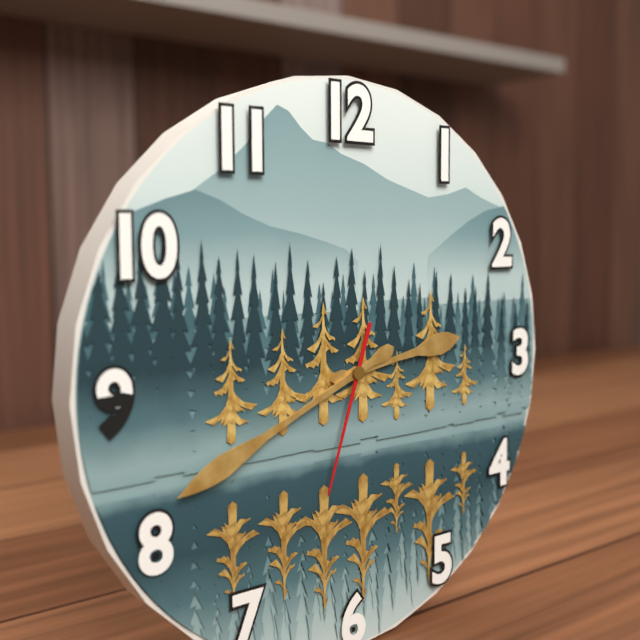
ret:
2,41,33
